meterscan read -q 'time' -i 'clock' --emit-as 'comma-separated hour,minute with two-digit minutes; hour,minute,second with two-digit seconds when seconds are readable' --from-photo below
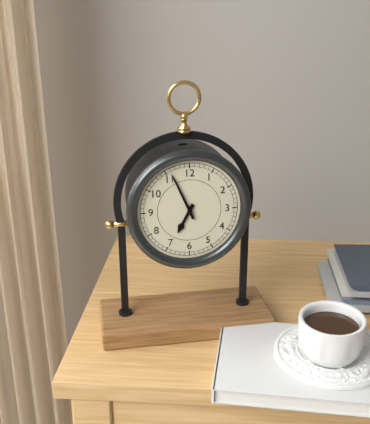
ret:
6,56
